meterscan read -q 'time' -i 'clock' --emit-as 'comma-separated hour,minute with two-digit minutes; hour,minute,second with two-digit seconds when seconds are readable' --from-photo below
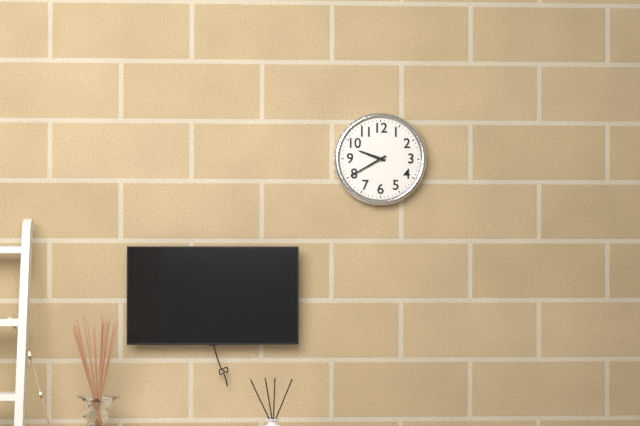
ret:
9,40
